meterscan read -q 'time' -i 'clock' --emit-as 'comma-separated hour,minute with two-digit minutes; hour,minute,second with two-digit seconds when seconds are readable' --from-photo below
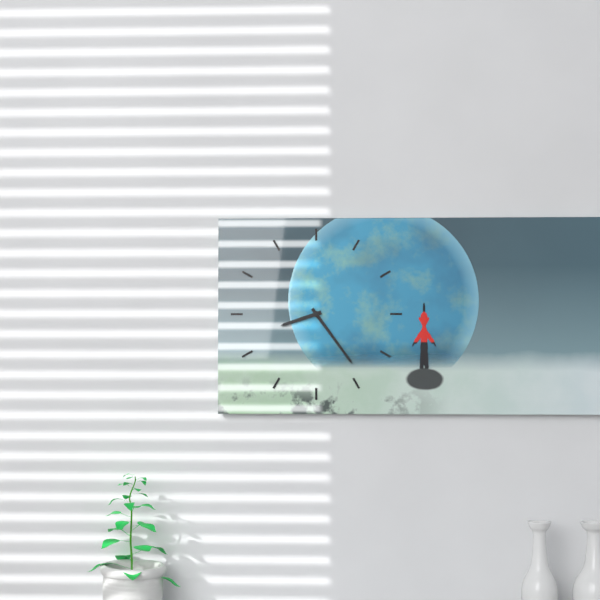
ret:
8,24
